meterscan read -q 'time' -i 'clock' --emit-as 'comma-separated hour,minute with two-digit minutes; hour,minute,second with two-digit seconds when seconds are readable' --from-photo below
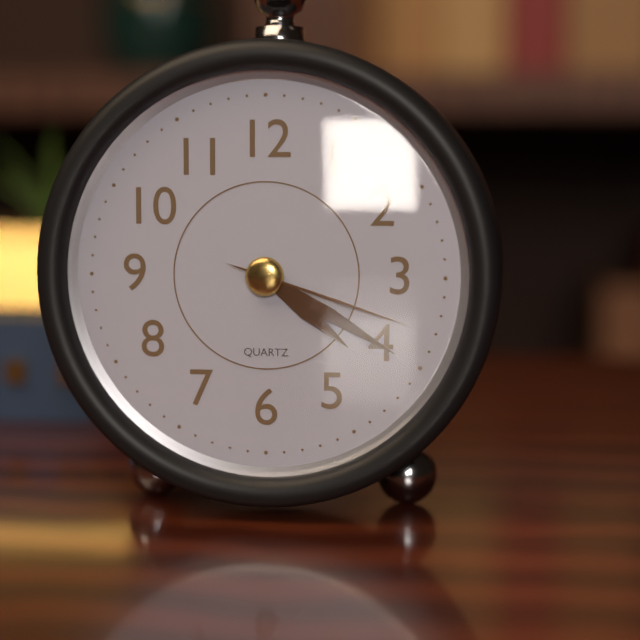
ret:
4,20,18
